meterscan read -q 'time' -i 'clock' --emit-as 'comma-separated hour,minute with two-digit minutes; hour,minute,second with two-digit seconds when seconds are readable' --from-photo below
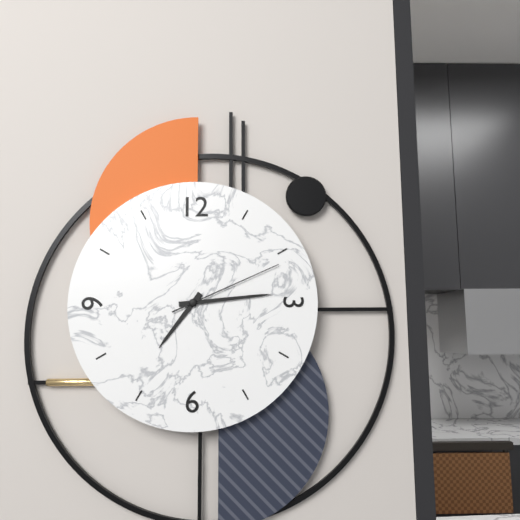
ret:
7,14,11
